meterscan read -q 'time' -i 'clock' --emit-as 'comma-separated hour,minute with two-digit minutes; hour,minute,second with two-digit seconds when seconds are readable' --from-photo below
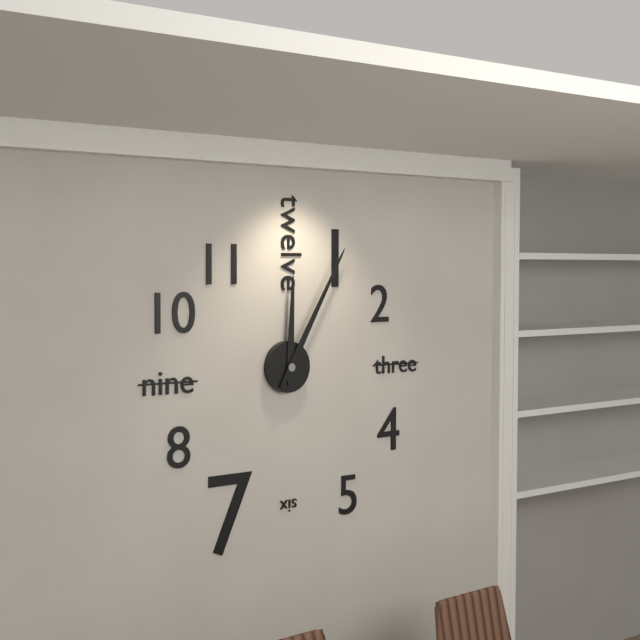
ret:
12,05
